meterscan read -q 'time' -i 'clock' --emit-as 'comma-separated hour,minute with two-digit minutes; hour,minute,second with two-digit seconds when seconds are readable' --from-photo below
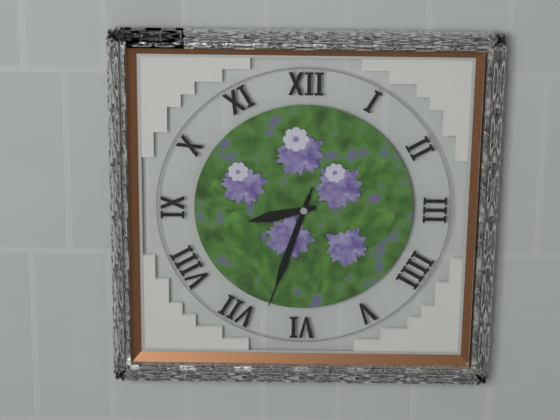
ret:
8,33,33
